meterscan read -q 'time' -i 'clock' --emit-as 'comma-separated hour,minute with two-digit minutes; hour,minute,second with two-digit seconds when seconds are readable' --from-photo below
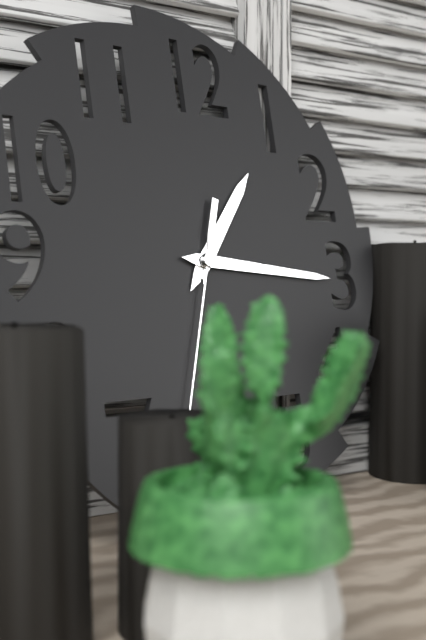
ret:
1,16,33
